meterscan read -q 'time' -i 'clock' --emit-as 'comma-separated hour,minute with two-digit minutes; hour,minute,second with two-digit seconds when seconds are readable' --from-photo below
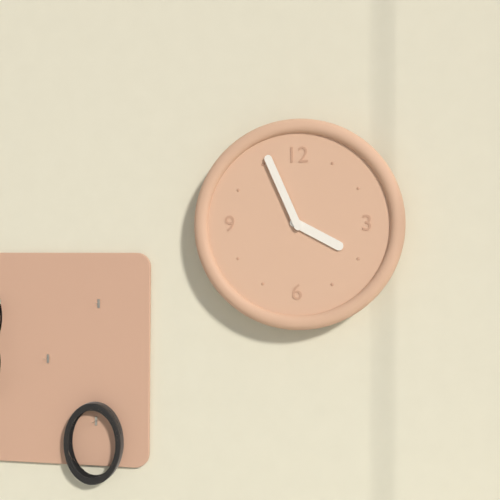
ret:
3,56
